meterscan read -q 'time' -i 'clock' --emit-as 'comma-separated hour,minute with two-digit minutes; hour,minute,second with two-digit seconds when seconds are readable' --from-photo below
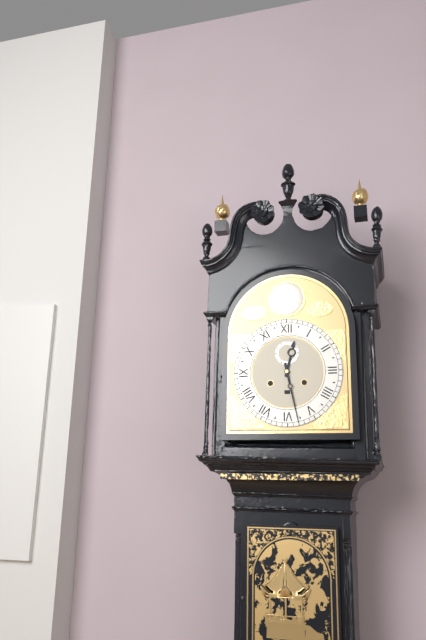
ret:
12,28
